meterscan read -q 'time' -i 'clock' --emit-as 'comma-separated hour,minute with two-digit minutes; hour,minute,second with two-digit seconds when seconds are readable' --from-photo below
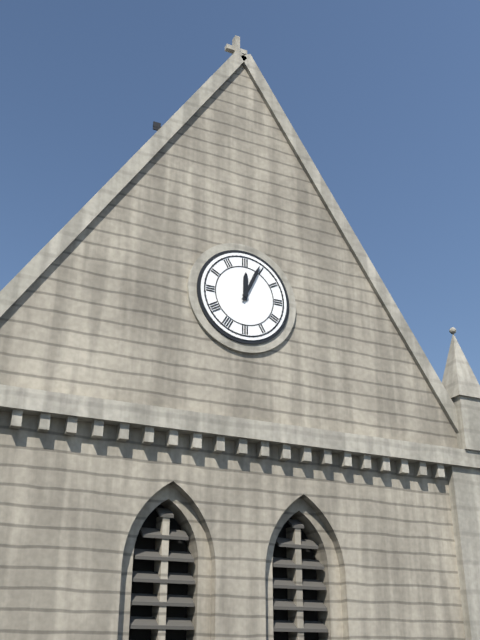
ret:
12,04
